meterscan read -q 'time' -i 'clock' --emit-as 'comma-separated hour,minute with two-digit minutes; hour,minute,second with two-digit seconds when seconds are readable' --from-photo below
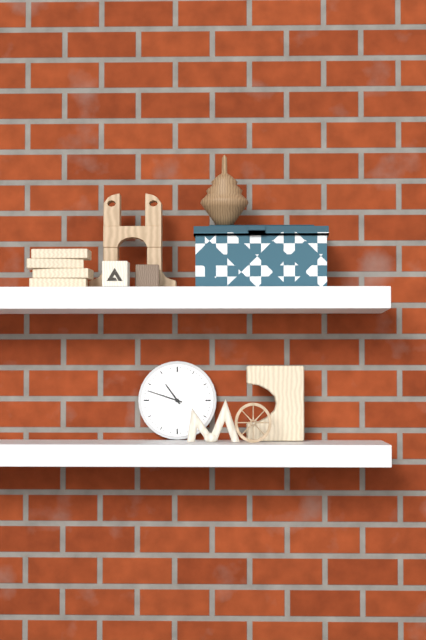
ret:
10,48
